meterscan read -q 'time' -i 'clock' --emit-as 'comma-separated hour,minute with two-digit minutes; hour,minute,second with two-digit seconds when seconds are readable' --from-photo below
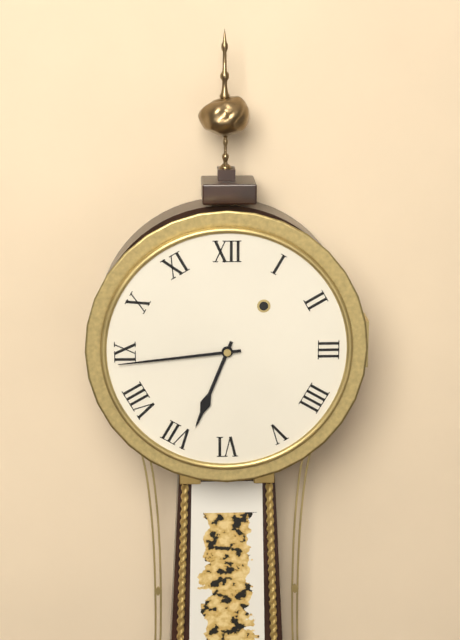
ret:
6,44
